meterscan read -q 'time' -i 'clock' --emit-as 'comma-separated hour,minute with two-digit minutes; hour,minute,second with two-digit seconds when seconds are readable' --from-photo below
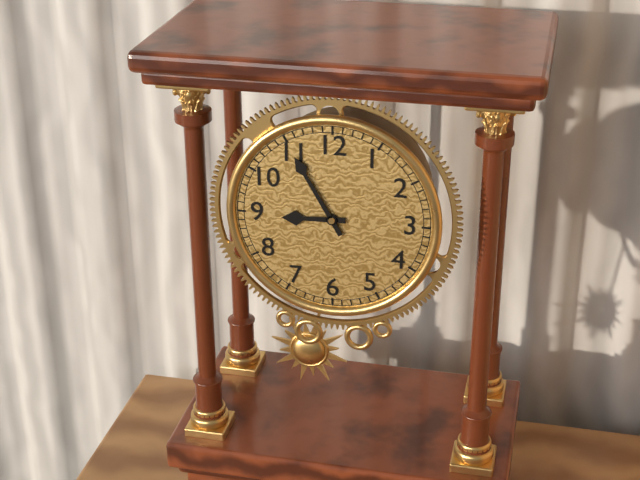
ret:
8,55
